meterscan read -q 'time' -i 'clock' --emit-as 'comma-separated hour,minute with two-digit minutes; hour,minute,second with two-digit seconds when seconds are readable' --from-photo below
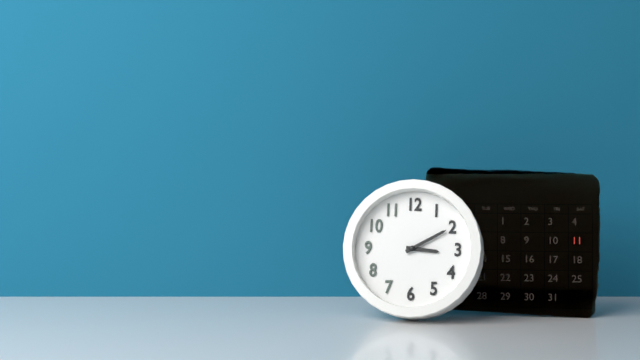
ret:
3,10
